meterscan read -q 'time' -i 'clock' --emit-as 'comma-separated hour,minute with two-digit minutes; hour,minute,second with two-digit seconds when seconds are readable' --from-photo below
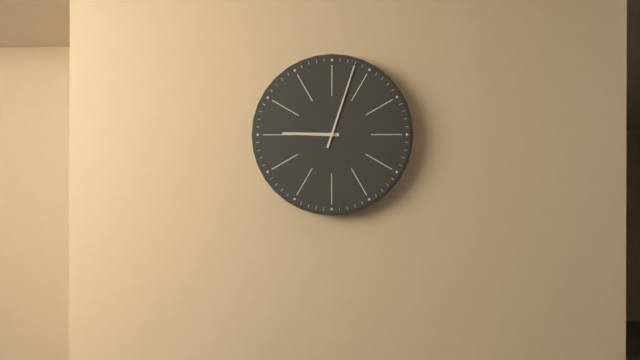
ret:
9,03
